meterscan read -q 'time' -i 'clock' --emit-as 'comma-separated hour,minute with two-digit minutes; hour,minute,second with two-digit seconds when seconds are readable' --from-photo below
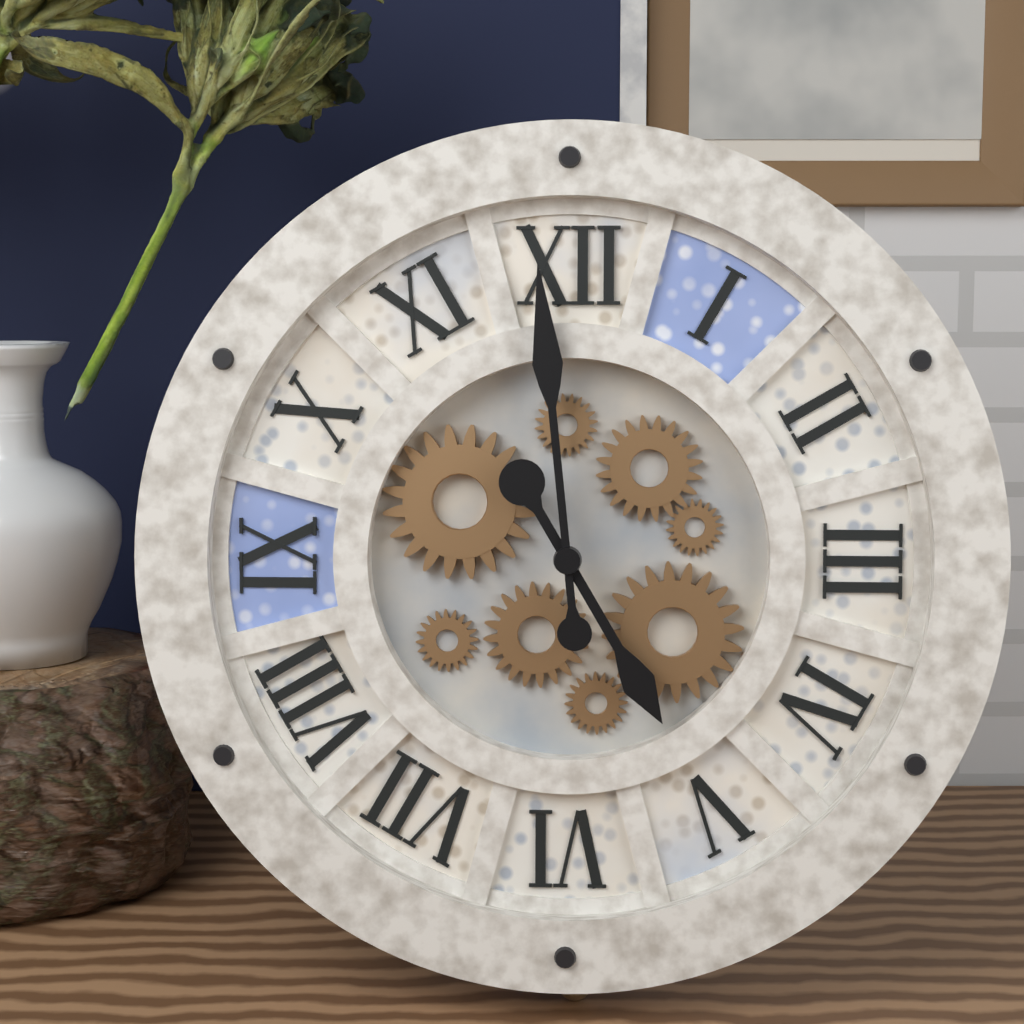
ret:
4,59
